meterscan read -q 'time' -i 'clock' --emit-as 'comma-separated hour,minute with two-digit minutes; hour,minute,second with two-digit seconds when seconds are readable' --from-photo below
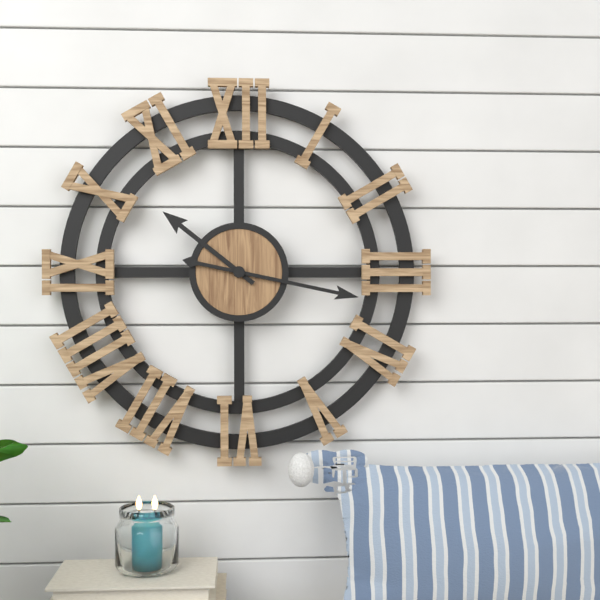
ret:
10,17
